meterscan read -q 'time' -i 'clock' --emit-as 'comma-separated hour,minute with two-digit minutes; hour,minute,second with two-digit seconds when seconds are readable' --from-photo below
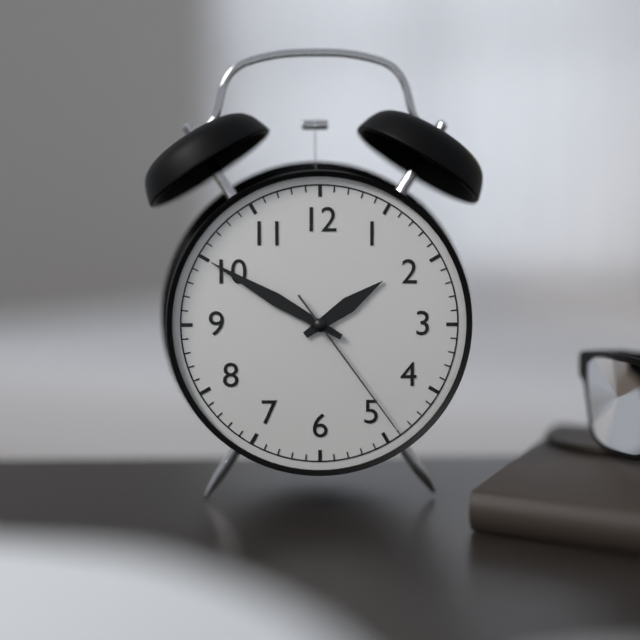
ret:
1,50,24
